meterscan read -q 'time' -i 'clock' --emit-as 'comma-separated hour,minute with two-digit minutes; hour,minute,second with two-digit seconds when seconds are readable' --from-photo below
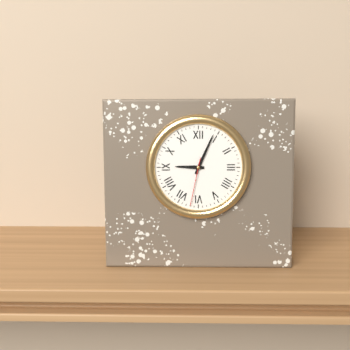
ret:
9,04
